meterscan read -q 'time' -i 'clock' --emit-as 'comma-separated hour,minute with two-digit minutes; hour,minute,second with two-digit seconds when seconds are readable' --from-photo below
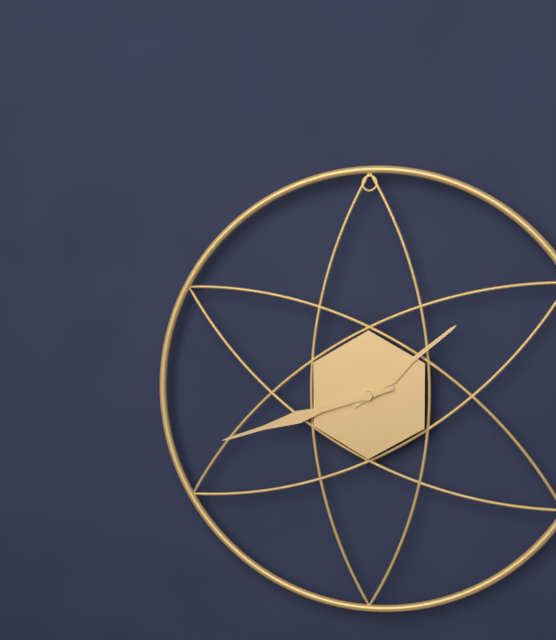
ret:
1,42
